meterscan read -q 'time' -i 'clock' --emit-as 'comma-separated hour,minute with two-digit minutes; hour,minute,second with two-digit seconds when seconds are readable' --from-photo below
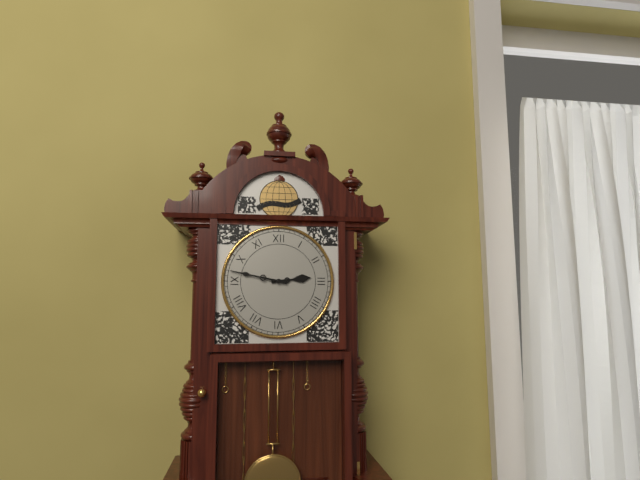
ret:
2,47
